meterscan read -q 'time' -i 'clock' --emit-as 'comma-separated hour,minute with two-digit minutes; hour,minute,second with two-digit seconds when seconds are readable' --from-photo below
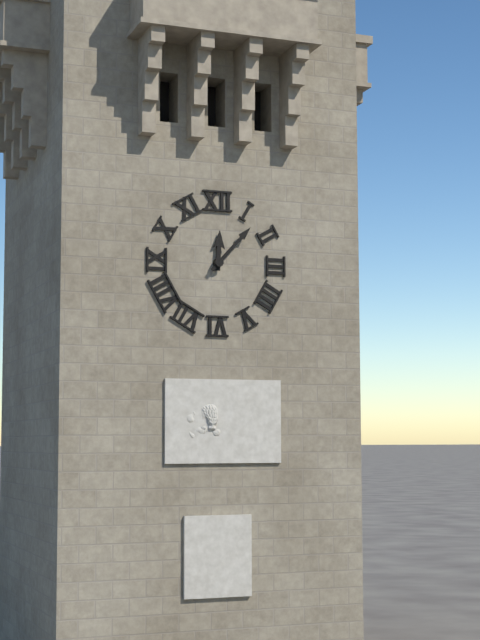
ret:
12,07
